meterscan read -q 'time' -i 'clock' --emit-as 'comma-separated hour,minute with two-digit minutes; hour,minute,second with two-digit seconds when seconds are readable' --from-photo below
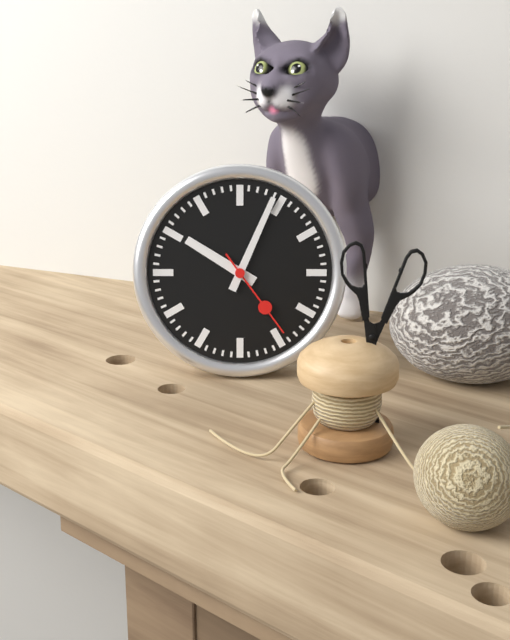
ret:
10,04,24
